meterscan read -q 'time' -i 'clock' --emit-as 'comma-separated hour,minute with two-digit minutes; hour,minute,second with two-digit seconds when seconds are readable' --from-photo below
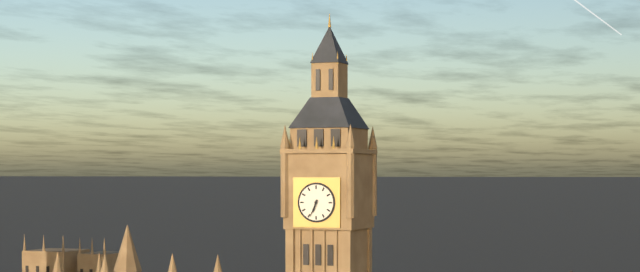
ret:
6,34
